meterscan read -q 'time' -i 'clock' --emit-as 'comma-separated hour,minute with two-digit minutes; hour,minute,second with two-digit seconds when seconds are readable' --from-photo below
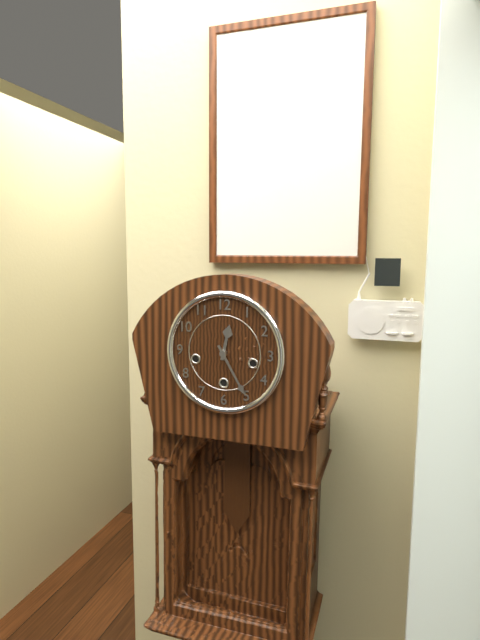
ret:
12,25
